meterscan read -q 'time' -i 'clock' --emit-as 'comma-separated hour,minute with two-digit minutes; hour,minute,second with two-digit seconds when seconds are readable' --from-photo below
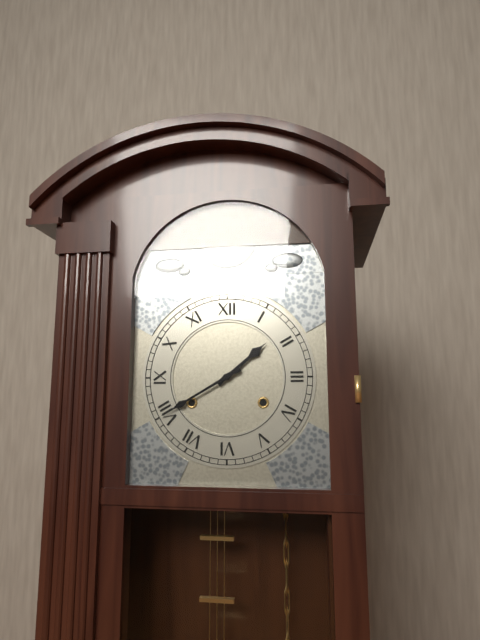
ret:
1,40
